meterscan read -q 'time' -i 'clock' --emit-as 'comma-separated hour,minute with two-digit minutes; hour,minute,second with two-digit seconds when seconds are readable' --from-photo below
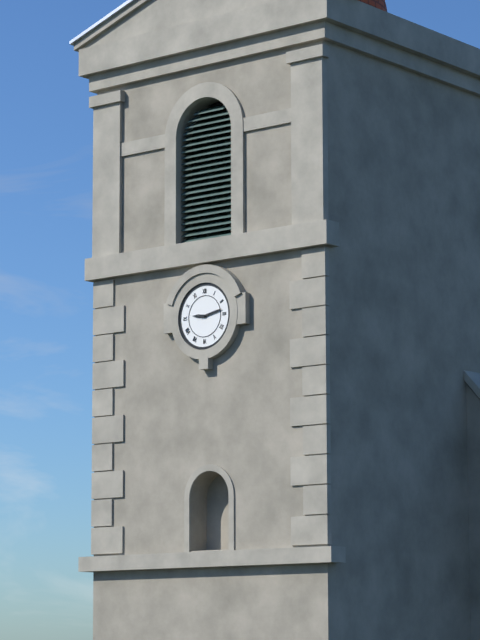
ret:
9,13
